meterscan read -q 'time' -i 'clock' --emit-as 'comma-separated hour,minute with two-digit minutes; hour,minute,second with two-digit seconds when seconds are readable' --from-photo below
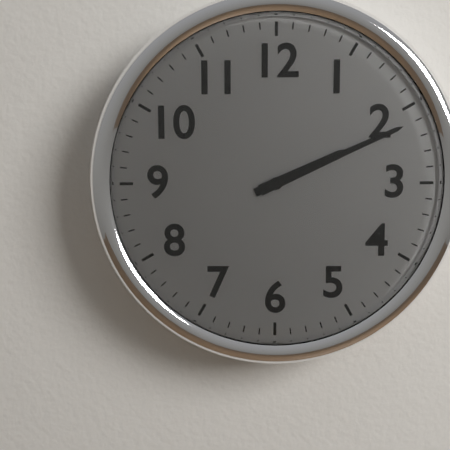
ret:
2,11
